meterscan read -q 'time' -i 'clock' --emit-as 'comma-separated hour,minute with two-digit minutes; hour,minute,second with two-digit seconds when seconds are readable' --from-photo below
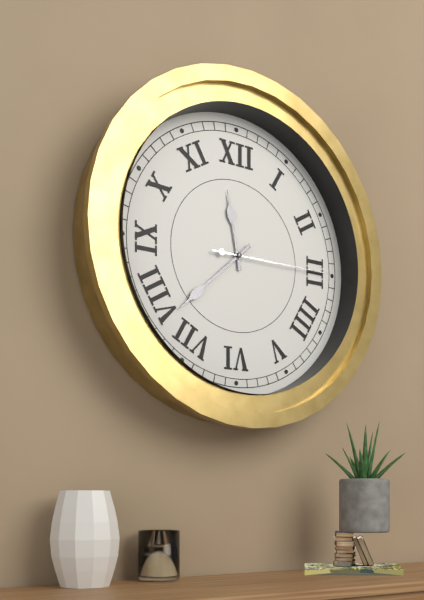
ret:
11,38,15
